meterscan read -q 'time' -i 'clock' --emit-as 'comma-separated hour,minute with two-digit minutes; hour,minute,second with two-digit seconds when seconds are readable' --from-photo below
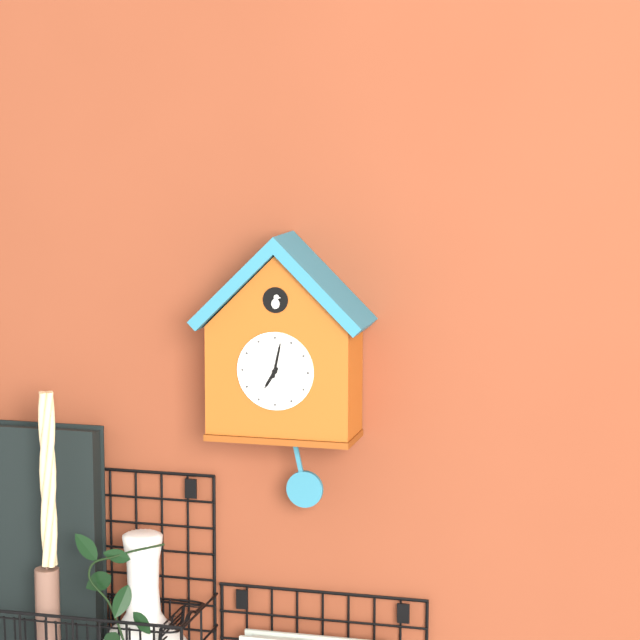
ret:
7,02
